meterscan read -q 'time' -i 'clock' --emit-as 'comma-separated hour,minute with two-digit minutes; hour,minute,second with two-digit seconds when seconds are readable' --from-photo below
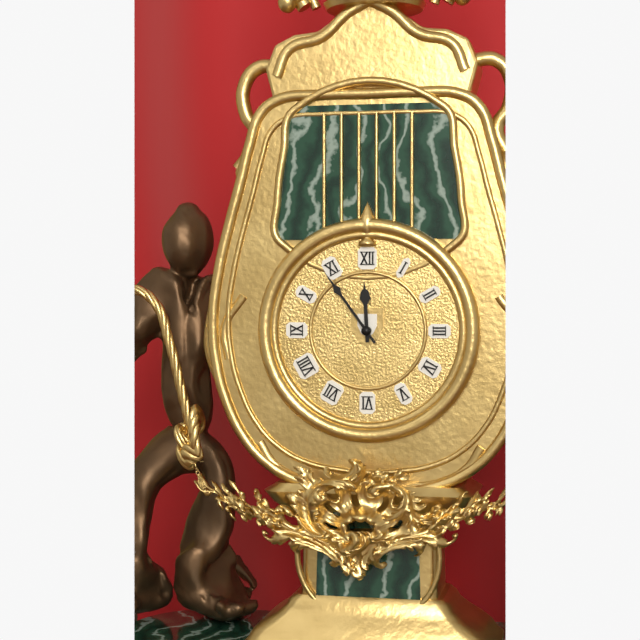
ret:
11,54
